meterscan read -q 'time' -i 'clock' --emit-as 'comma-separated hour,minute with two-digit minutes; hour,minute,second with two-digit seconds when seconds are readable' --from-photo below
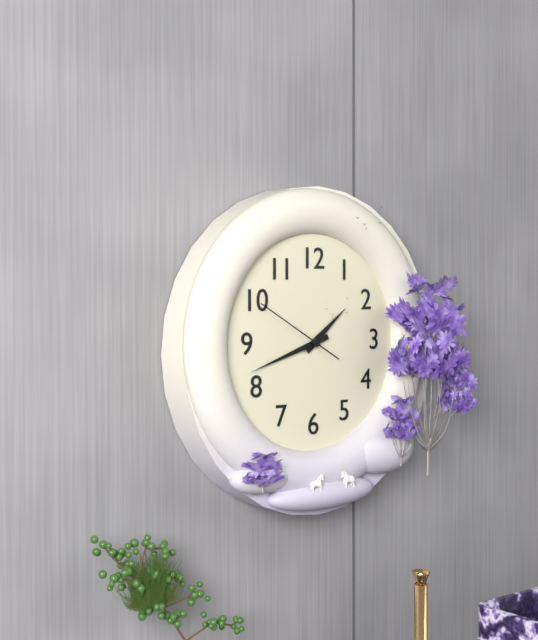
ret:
1,42,50
